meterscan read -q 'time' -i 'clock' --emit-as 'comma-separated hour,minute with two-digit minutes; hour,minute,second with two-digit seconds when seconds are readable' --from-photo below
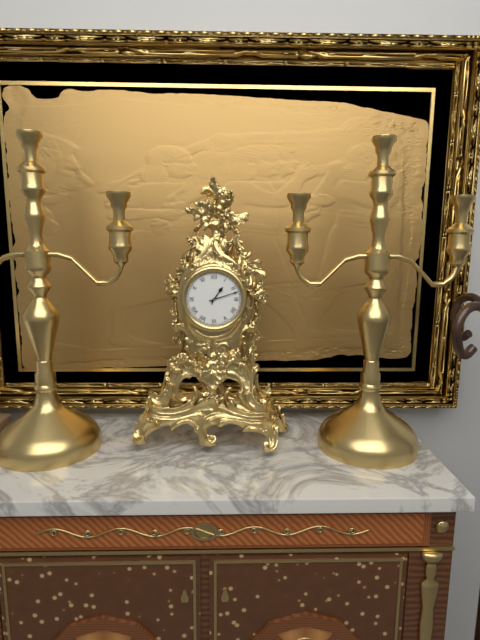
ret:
1,12
